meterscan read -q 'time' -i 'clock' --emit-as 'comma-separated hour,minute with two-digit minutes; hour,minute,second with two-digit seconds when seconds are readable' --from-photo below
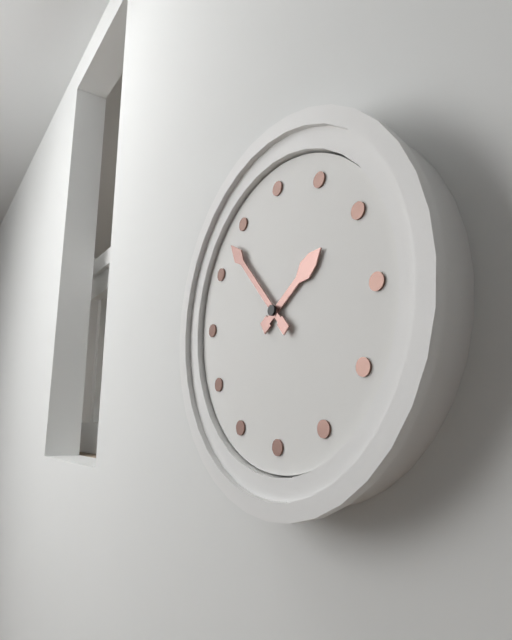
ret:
1,53
